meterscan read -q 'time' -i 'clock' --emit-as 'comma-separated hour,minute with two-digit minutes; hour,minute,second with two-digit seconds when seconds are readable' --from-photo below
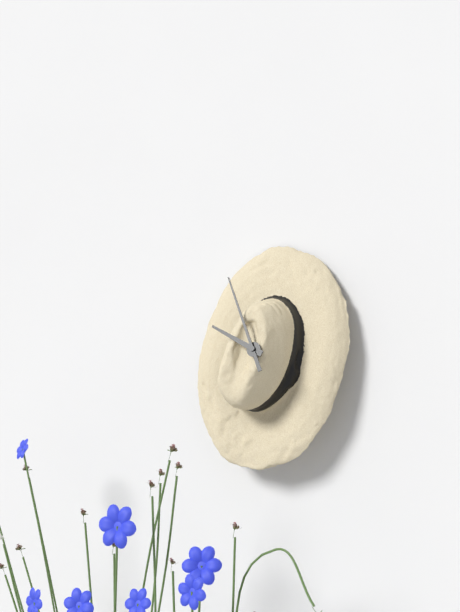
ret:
9,56
